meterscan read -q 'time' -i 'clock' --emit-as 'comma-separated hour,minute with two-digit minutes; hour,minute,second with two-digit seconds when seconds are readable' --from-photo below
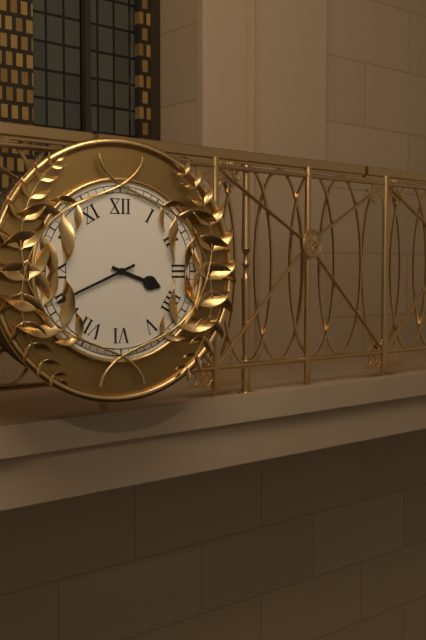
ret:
3,41
